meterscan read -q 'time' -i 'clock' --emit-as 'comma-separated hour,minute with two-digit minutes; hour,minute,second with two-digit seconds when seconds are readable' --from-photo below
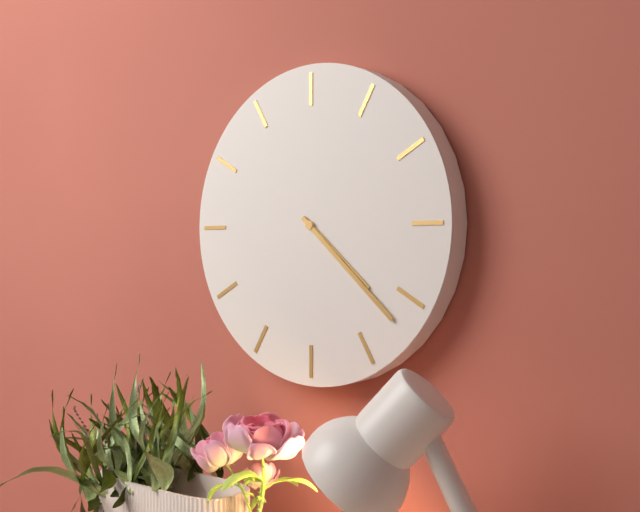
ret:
4,22
